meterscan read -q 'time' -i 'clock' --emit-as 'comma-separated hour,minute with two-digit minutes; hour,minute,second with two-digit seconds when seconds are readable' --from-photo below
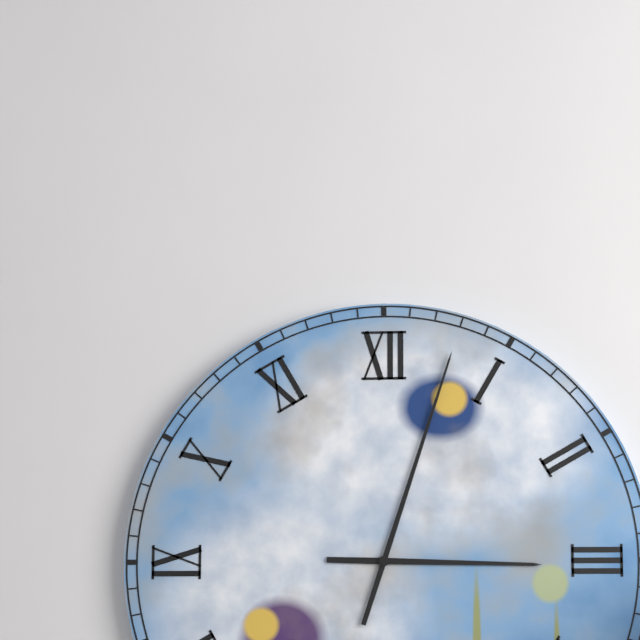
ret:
3,03
